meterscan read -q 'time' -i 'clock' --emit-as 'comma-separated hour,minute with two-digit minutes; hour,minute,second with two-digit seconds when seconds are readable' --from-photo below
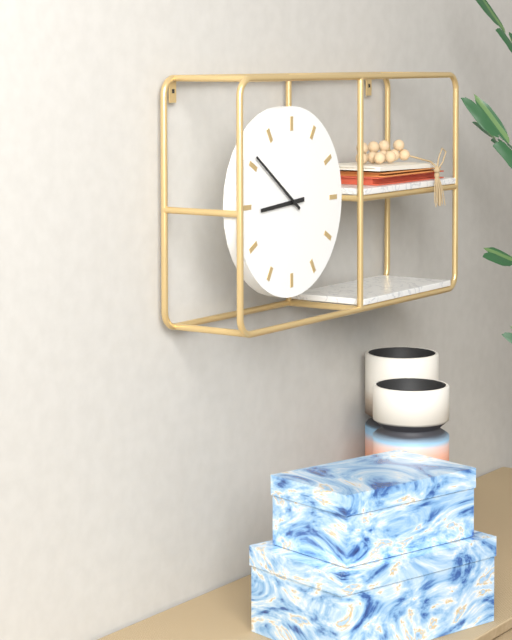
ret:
8,51
